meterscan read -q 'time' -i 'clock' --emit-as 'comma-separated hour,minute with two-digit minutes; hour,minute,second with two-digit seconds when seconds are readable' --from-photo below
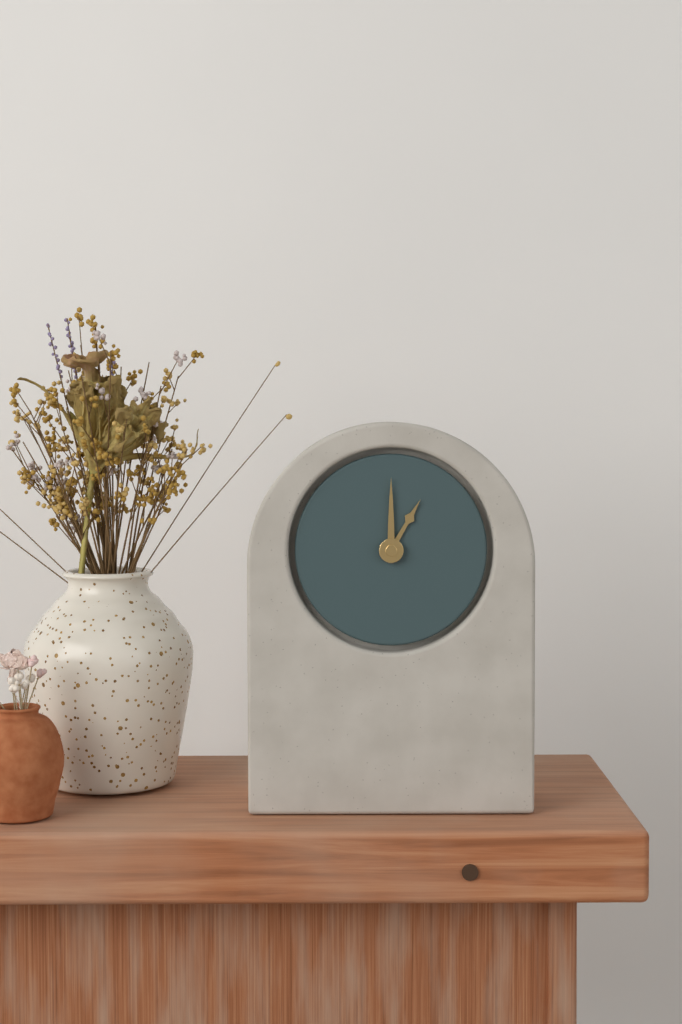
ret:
1,00
